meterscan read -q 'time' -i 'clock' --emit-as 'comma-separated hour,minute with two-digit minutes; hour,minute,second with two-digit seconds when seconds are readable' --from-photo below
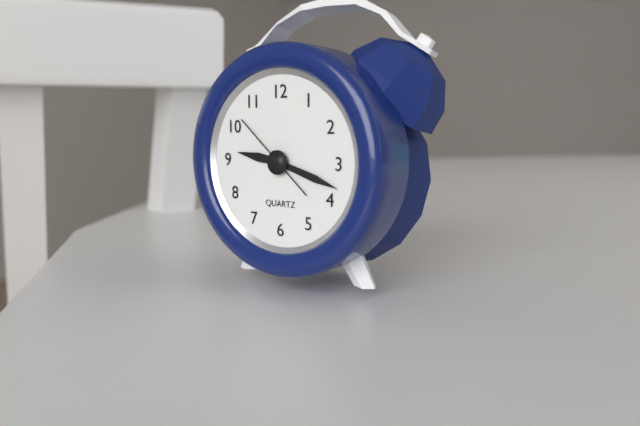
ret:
9,18,52
